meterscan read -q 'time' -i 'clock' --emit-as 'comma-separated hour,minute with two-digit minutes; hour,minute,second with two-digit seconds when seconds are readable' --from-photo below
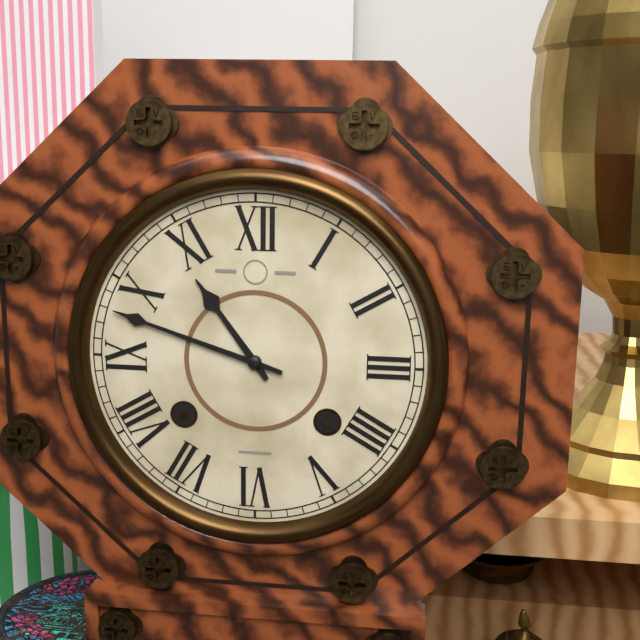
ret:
10,48
